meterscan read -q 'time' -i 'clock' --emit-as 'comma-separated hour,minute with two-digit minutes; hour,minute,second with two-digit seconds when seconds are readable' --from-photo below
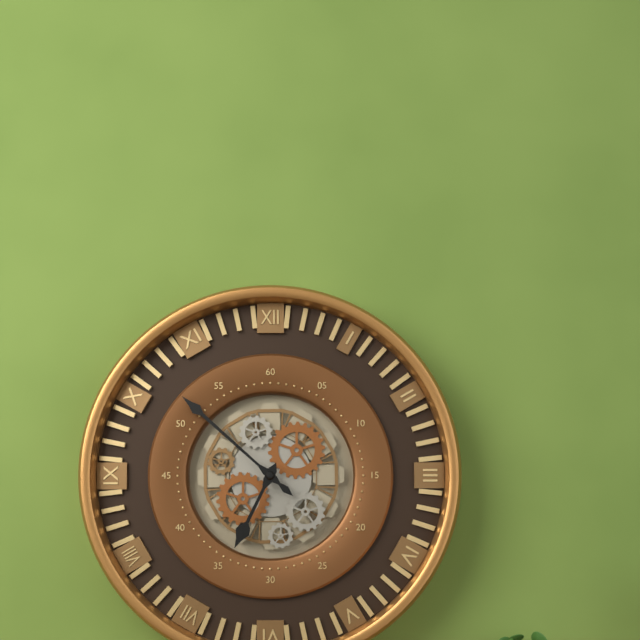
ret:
6,52
